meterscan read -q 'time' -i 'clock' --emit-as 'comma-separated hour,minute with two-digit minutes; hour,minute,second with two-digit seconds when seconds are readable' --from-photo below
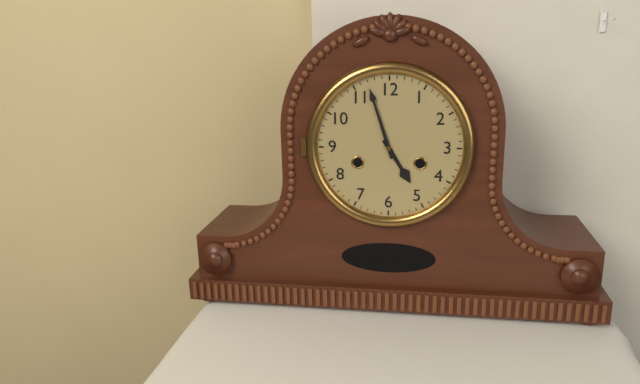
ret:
4,57
